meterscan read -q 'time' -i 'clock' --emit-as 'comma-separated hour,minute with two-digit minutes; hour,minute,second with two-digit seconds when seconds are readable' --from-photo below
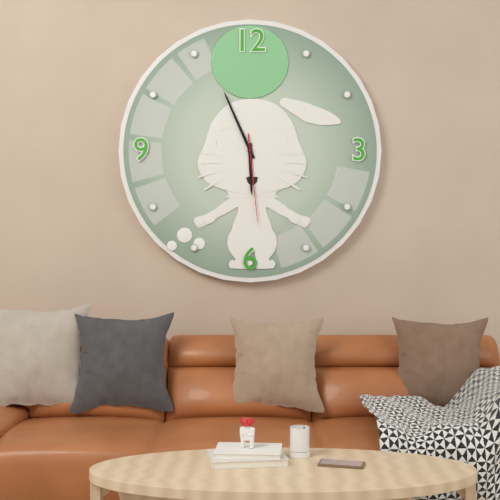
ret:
5,56,29
